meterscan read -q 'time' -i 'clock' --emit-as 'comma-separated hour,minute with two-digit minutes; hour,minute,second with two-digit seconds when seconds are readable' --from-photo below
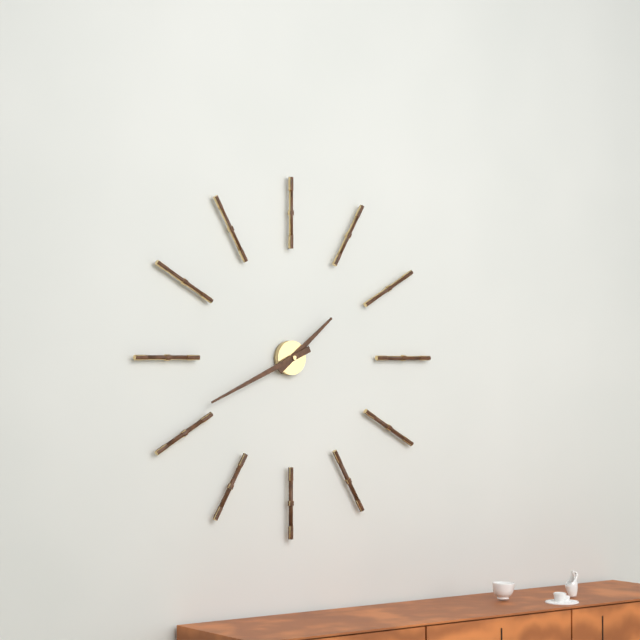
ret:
1,41
